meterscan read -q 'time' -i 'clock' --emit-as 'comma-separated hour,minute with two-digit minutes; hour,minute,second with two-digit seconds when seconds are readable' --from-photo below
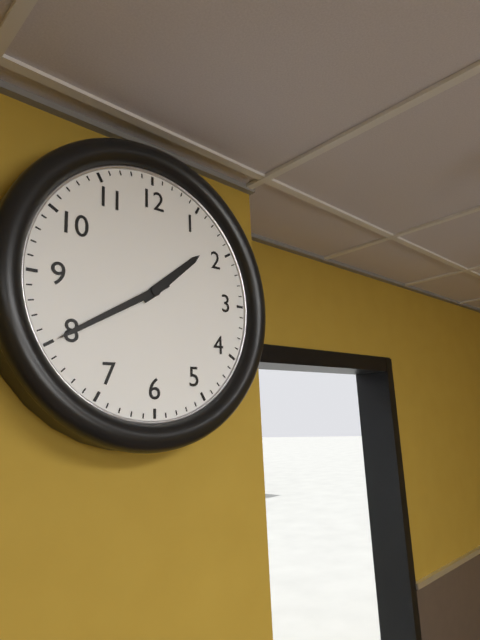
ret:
1,40
